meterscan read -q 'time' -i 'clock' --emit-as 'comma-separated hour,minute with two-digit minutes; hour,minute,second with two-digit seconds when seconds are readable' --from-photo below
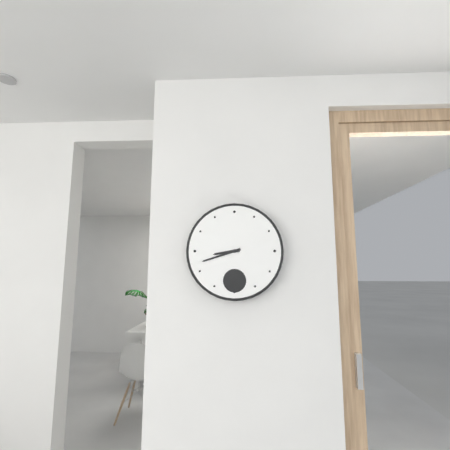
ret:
8,42
